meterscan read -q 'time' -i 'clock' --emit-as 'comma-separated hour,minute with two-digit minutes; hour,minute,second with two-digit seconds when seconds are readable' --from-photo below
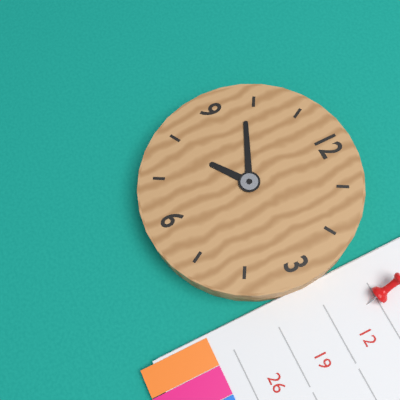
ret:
7,49
